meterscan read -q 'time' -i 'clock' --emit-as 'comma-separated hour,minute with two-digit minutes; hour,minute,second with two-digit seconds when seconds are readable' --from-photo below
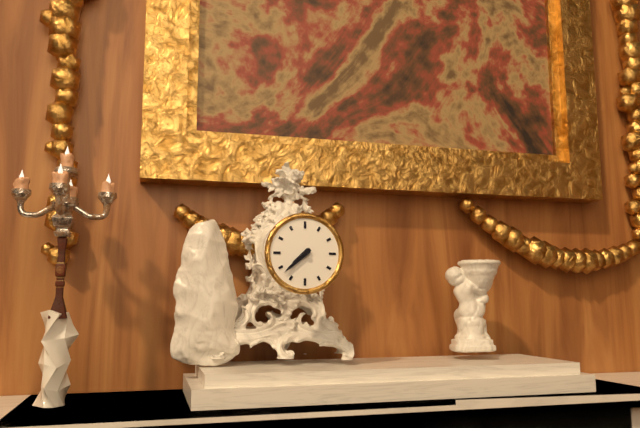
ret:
7,38
